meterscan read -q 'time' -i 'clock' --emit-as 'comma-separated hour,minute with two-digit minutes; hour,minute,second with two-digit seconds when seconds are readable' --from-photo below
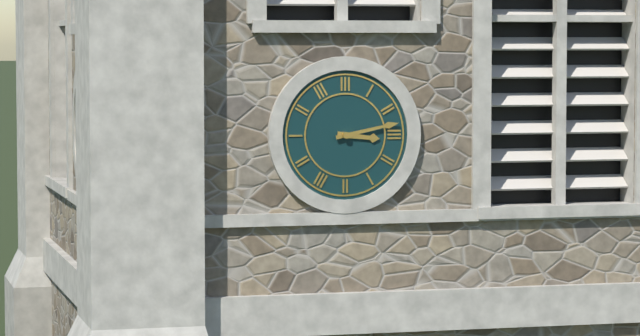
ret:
3,13
